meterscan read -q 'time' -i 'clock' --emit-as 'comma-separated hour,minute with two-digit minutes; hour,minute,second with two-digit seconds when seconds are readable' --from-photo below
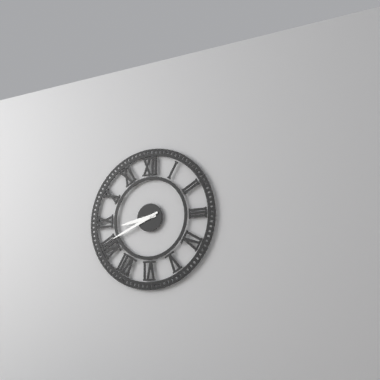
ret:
8,41
